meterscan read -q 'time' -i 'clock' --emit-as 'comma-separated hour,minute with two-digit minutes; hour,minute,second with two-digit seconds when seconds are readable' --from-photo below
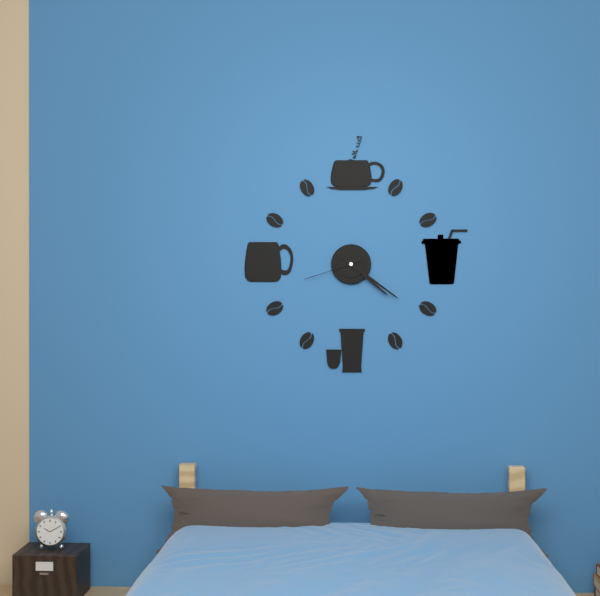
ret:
4,21,42
